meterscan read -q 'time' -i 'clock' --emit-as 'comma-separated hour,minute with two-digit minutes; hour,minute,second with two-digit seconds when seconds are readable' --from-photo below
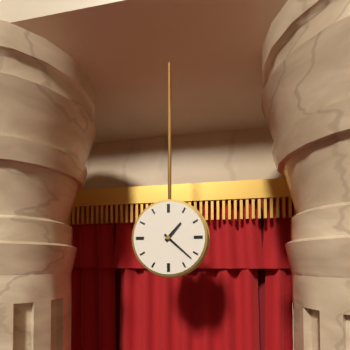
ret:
1,22
